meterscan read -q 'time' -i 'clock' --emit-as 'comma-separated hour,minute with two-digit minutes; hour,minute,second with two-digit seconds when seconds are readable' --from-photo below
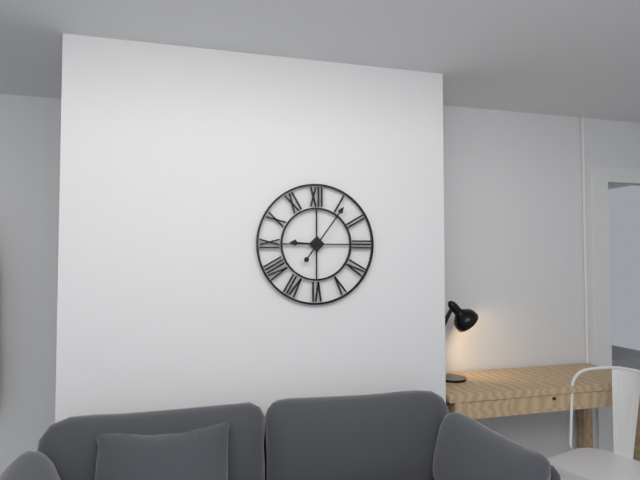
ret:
9,06
